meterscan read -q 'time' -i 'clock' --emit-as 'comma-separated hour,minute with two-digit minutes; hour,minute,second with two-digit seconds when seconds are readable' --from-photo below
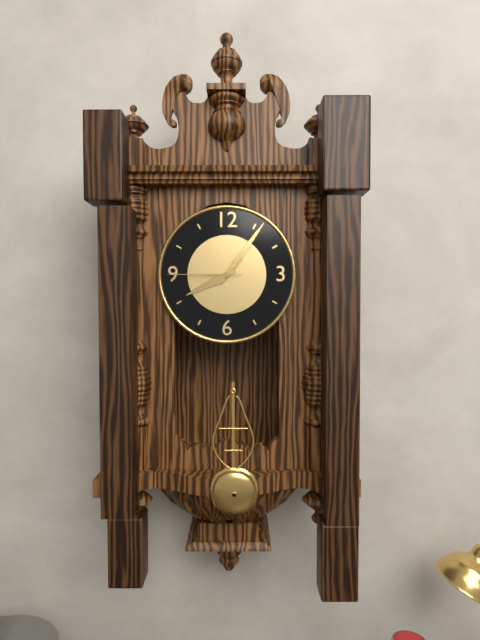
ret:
8,06,45
